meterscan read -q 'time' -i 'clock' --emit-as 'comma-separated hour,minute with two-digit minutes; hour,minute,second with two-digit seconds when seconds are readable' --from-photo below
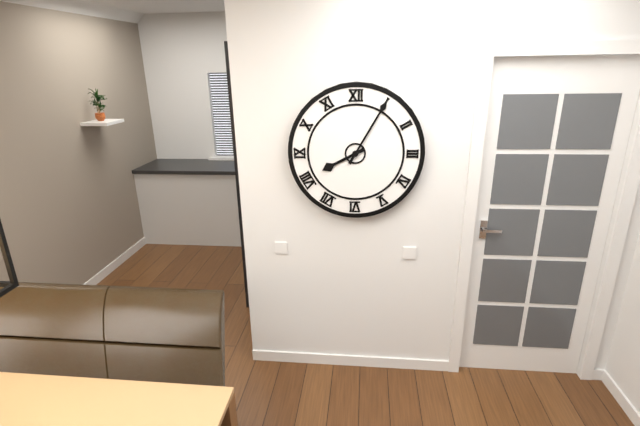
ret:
8,05
